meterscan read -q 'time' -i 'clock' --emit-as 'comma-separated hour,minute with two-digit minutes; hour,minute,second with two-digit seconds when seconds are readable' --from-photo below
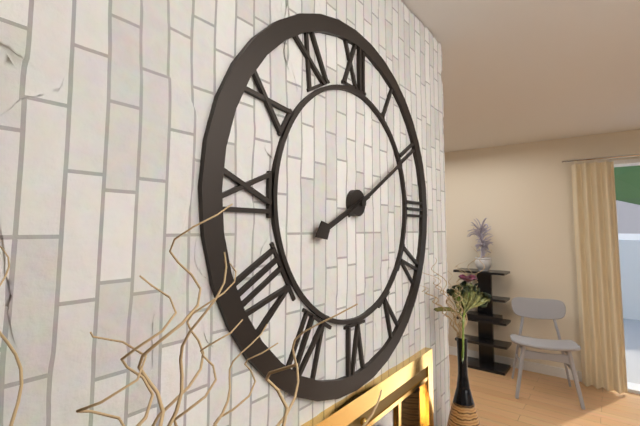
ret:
8,10
